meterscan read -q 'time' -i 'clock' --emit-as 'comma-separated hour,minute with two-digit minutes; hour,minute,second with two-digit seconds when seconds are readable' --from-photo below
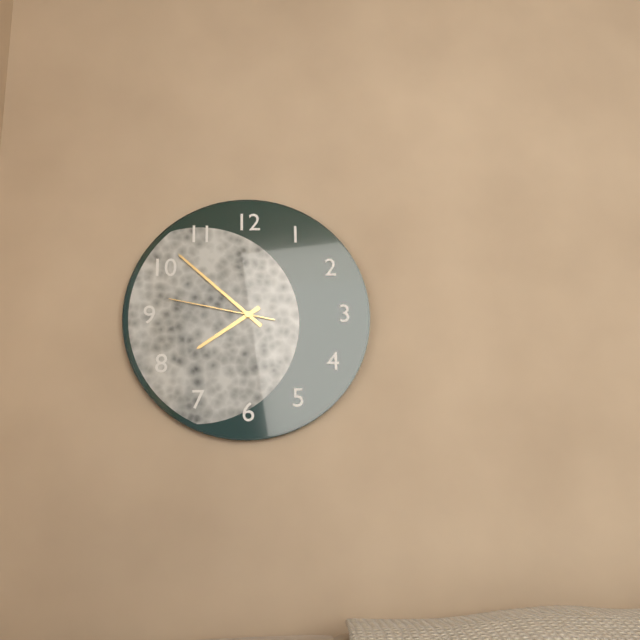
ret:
7,52,47
